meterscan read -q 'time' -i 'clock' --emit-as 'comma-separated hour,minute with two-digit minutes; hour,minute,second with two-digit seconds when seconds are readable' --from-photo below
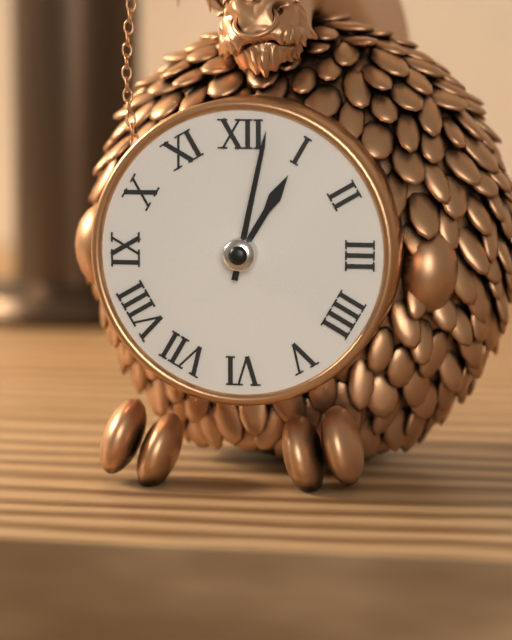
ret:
1,02
